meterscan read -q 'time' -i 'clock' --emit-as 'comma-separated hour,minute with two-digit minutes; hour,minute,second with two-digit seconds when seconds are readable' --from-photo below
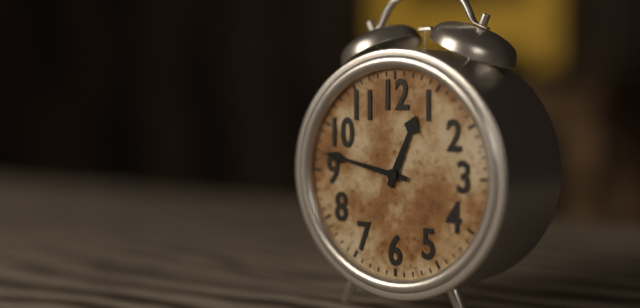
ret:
12,47
